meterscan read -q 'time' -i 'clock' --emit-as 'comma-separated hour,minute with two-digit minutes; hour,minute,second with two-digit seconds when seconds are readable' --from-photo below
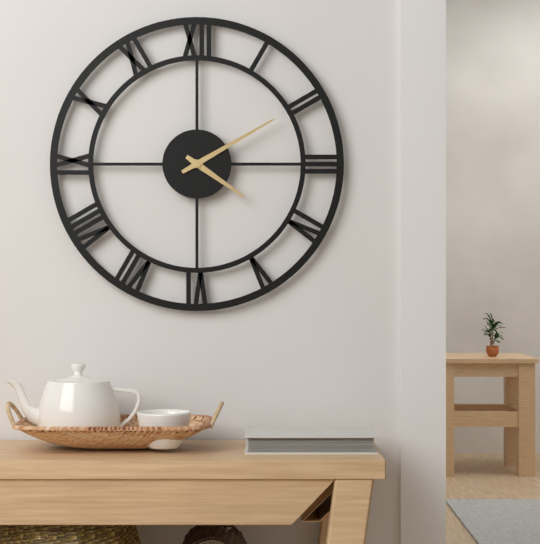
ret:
4,10
